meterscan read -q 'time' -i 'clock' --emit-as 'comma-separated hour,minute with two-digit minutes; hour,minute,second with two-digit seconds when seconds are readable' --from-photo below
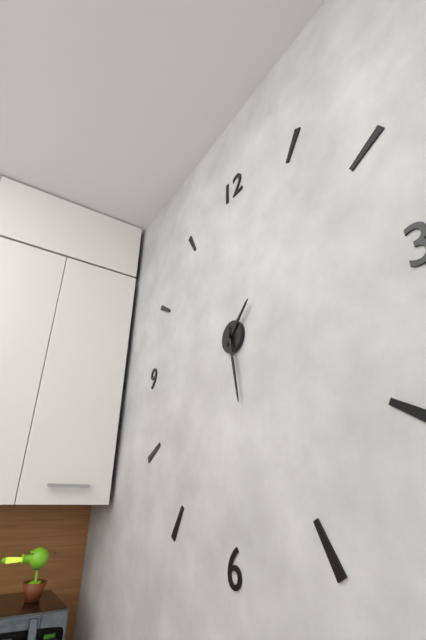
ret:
1,28
